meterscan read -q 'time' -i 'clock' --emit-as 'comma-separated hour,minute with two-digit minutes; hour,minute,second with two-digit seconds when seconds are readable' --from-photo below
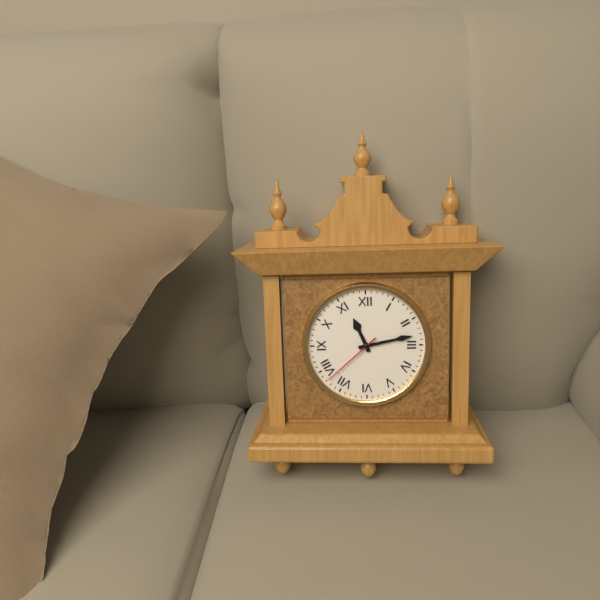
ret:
11,13,38
